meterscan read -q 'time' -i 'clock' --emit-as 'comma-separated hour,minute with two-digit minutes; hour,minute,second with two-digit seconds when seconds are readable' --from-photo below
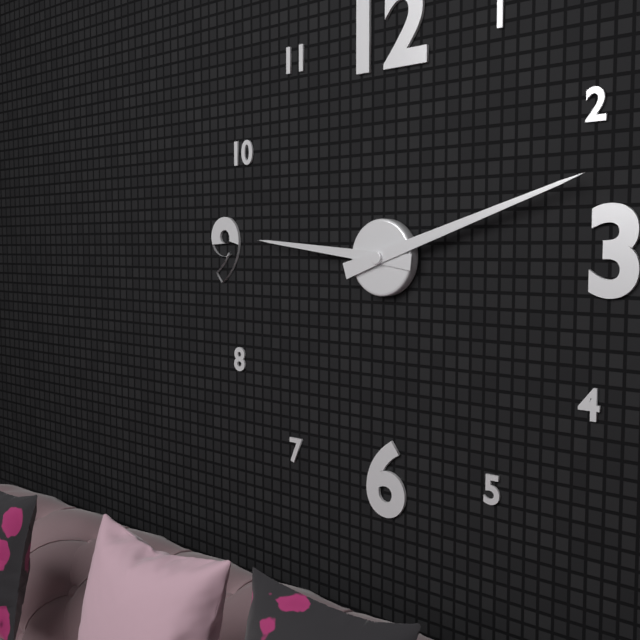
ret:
9,12
